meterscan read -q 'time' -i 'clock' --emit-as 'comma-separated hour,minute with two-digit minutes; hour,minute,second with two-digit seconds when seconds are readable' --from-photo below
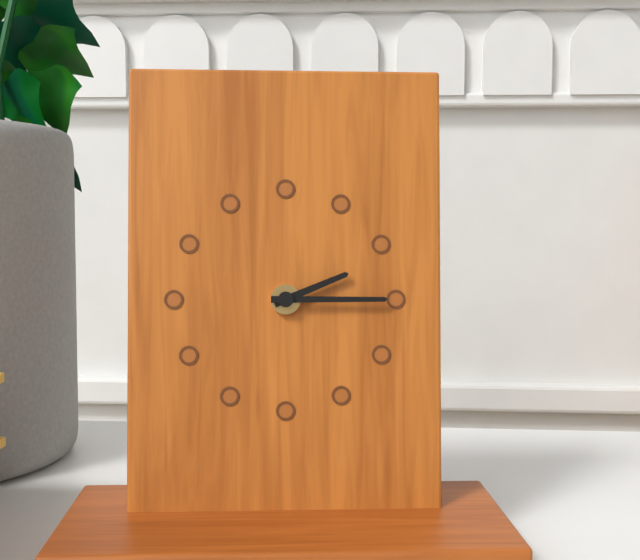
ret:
2,15
